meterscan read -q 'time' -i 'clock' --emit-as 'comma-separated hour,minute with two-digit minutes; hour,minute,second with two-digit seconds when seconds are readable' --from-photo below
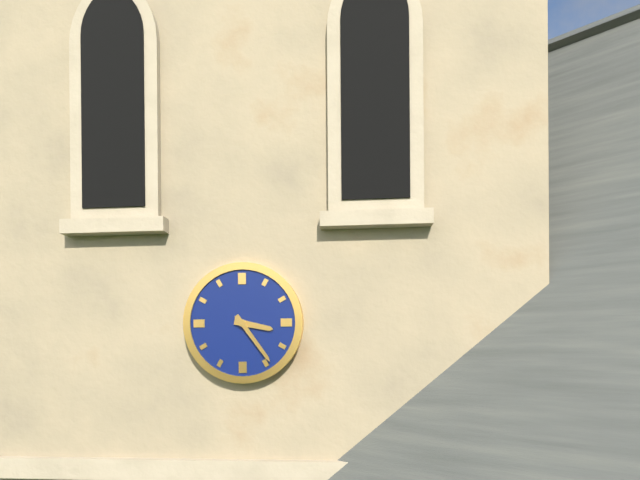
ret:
3,24
